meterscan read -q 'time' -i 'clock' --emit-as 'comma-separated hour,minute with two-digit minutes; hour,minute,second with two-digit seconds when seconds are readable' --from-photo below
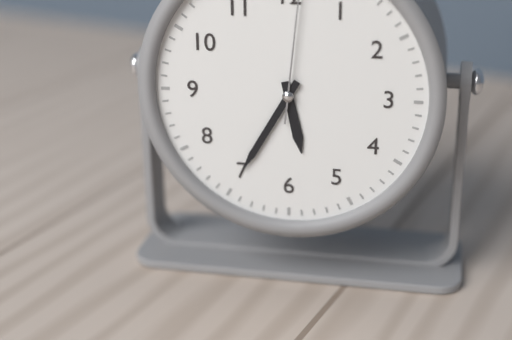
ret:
5,35
